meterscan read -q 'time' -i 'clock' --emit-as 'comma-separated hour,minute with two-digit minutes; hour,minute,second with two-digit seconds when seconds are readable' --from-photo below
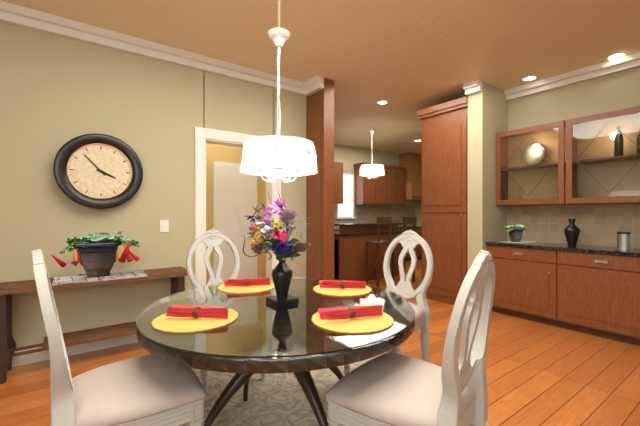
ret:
3,53
